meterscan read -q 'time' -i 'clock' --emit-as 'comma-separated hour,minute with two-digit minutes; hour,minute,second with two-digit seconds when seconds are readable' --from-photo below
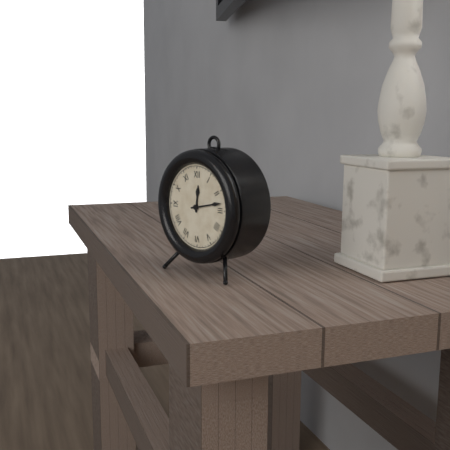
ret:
12,13
